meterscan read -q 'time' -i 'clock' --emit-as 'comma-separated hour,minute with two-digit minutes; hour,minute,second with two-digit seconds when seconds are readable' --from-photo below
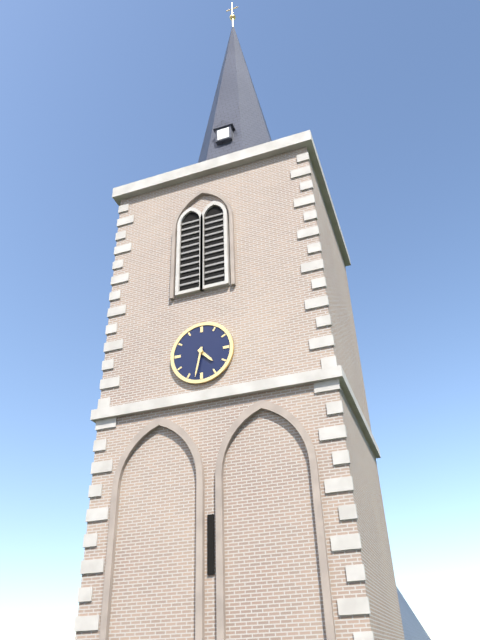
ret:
4,32
